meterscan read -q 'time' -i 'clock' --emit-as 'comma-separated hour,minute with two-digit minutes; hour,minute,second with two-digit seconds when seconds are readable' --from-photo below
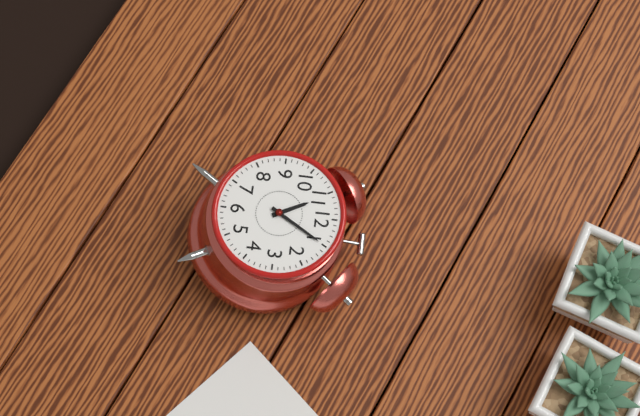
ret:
11,05
